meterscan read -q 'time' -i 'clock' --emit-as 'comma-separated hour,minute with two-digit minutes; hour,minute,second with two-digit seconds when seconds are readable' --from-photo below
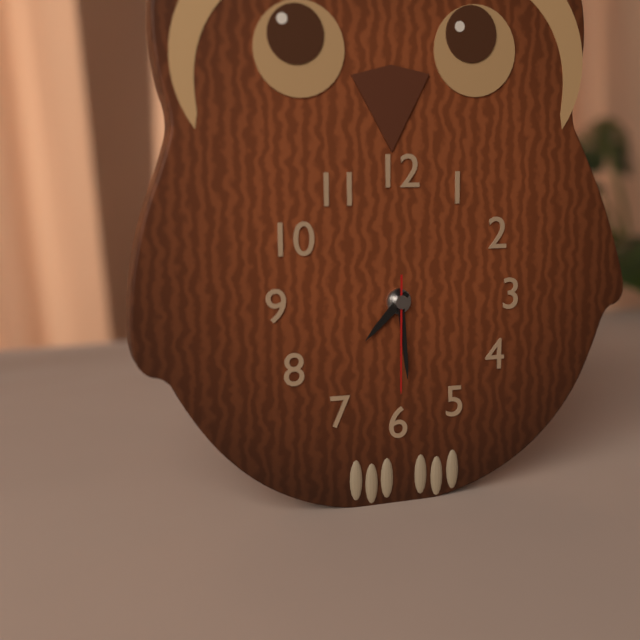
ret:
7,29,30
